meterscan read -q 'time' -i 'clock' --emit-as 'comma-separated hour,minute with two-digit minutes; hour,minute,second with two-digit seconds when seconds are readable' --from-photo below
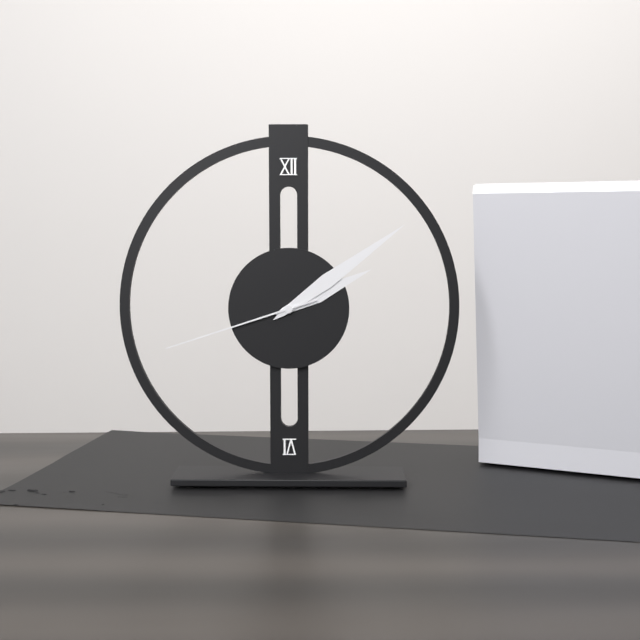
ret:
2,09,42
